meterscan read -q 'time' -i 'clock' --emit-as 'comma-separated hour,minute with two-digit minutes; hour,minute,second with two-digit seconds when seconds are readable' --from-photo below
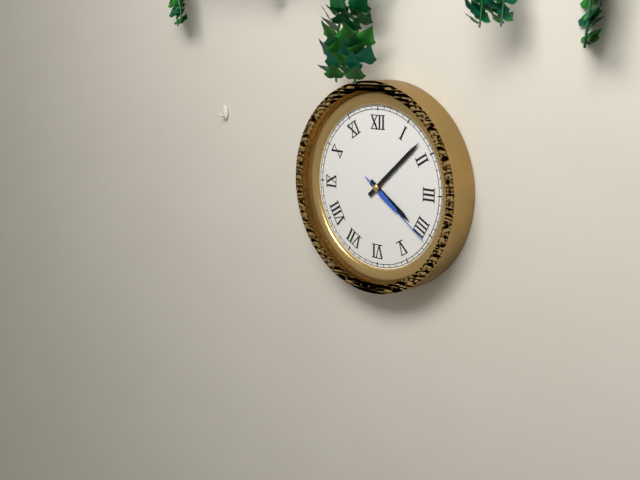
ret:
4,08,21
